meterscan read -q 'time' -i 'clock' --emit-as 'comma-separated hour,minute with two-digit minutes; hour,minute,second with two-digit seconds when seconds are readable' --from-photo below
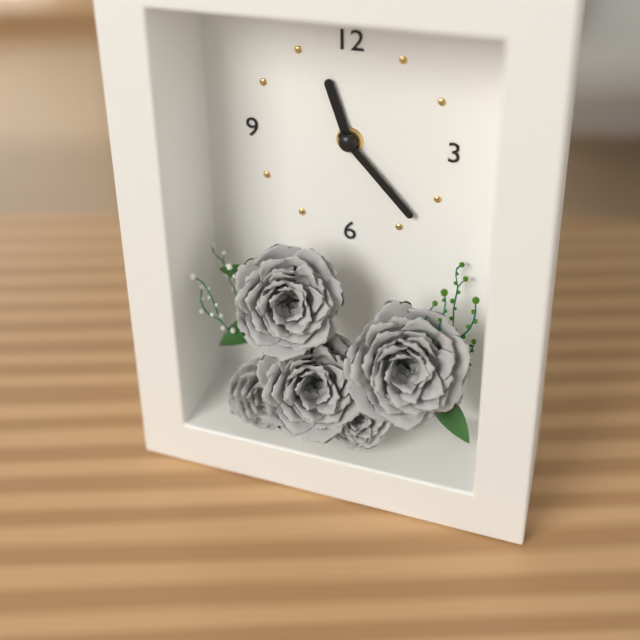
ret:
11,23
